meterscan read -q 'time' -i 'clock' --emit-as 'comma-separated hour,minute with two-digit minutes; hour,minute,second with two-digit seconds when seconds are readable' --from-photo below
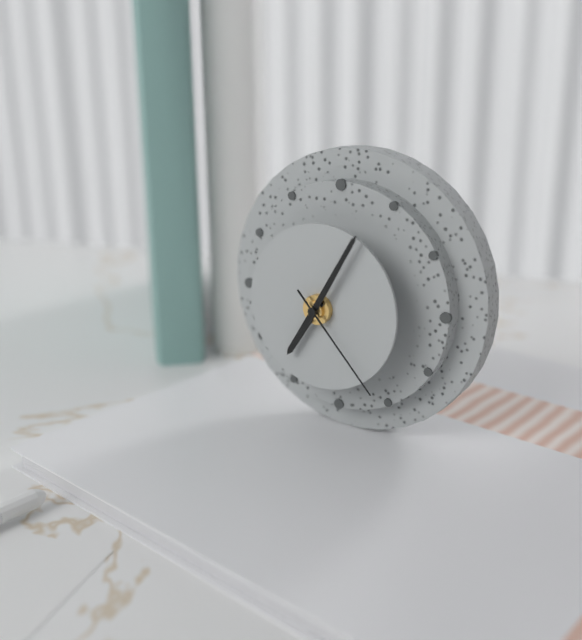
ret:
7,05,23
